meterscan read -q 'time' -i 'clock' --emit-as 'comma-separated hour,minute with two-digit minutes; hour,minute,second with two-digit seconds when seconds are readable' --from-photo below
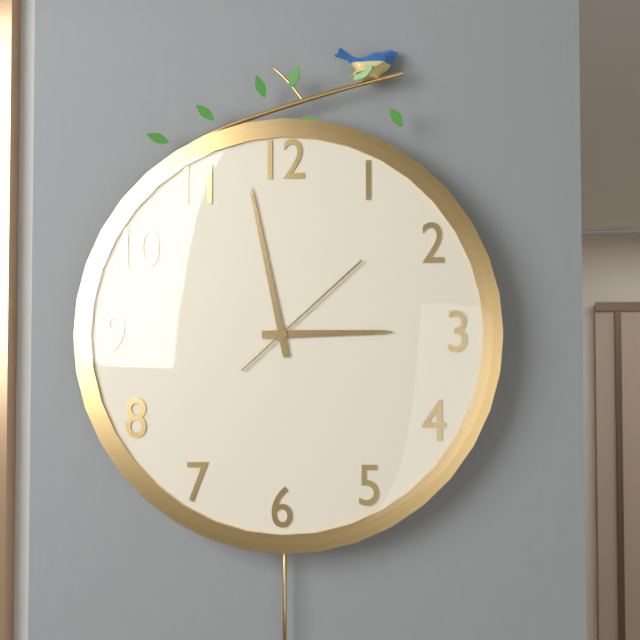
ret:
2,58,08
